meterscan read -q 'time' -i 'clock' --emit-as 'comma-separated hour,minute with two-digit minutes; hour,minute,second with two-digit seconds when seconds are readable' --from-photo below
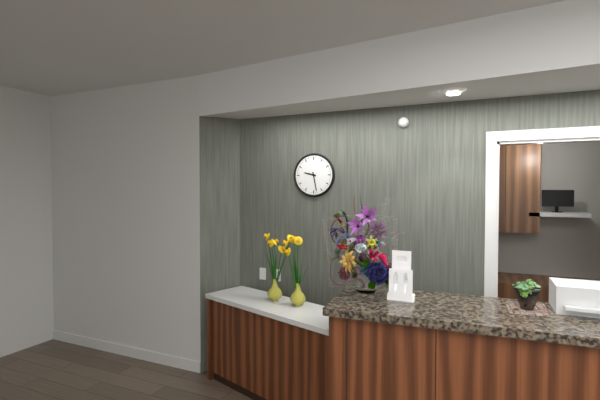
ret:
9,28
